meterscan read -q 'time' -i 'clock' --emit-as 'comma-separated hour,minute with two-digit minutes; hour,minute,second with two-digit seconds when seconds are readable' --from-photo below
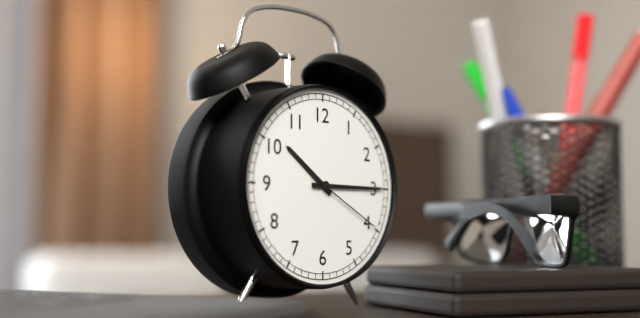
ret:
10,15,20
